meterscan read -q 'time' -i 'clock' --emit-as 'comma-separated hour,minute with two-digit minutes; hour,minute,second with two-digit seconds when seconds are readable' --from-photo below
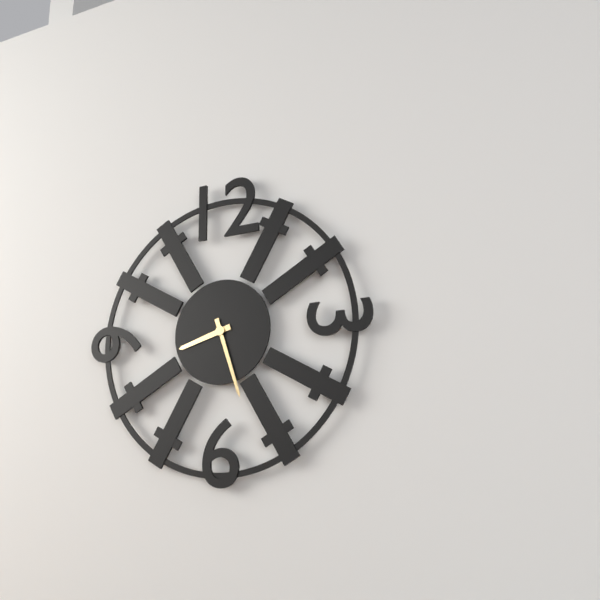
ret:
8,27
